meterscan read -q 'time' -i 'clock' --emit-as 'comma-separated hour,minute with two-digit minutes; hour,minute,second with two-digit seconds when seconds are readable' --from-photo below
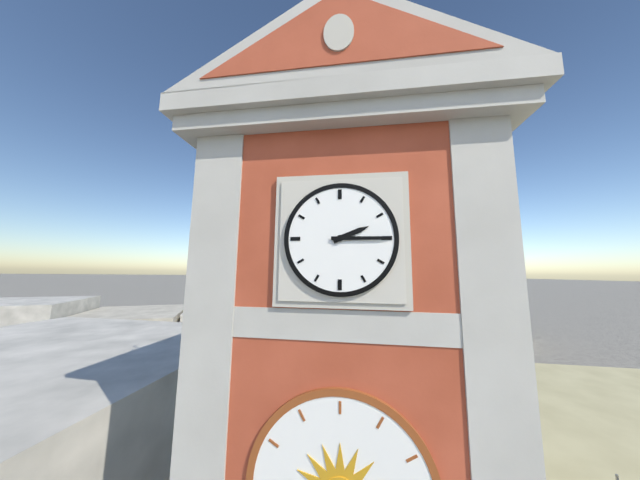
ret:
2,15
